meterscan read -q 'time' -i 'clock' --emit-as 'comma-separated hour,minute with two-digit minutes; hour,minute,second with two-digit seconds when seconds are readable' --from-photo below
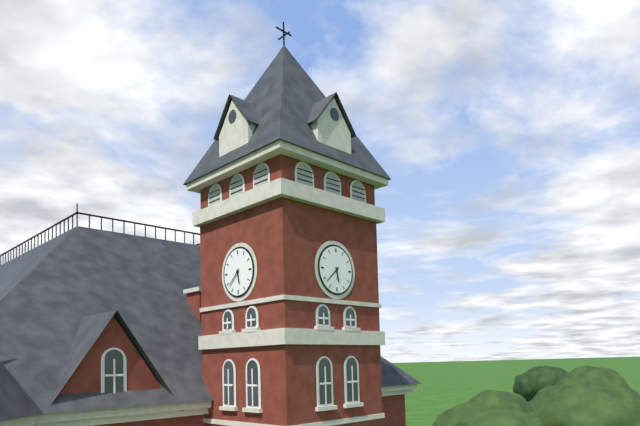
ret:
5,38
